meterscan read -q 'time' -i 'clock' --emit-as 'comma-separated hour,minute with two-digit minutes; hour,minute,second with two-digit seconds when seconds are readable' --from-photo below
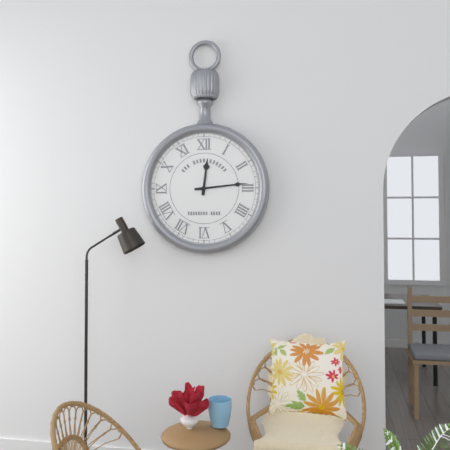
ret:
12,14
